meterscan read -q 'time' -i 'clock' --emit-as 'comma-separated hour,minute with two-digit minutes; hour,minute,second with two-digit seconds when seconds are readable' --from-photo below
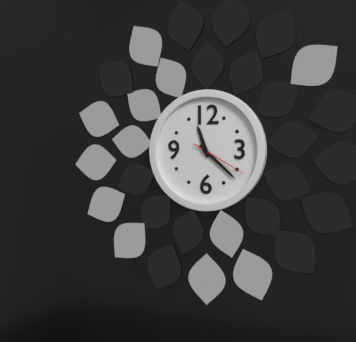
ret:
11,22,20
